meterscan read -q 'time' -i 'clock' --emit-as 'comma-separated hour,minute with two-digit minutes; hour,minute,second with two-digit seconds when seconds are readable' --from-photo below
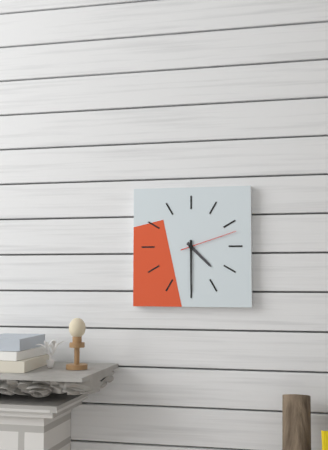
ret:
4,30,12
